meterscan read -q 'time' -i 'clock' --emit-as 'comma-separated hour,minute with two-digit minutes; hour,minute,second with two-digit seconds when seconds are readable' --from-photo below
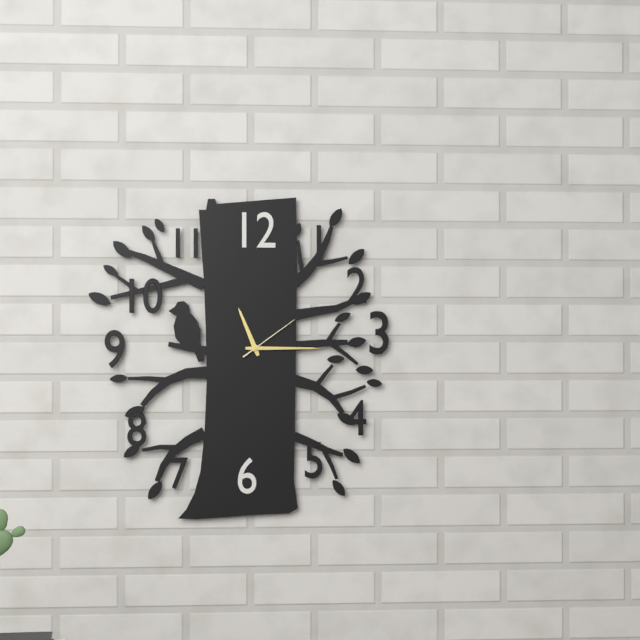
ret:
11,15,09
